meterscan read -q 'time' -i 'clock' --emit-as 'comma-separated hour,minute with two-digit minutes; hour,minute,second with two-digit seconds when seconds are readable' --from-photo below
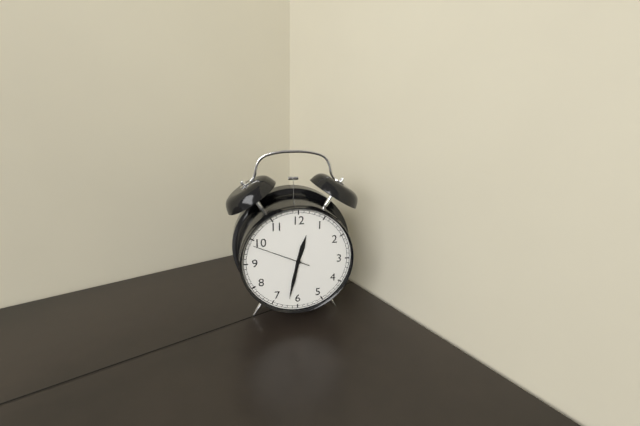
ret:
12,32,49
